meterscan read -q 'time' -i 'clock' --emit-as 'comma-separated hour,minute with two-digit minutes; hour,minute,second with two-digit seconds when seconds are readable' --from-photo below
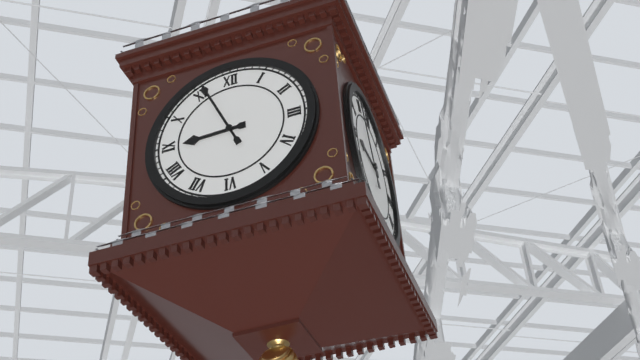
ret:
8,56
